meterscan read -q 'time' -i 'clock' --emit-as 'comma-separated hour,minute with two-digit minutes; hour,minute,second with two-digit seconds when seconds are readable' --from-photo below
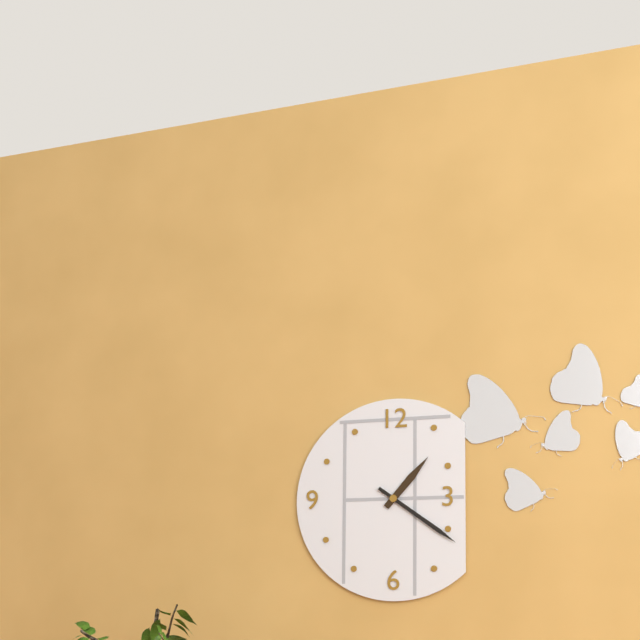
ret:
1,21
